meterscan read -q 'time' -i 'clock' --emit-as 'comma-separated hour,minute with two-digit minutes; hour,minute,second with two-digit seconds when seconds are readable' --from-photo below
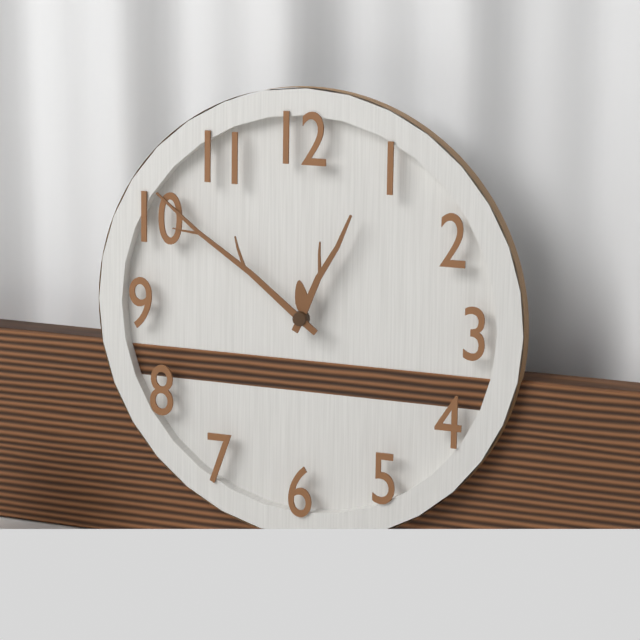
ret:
12,51
